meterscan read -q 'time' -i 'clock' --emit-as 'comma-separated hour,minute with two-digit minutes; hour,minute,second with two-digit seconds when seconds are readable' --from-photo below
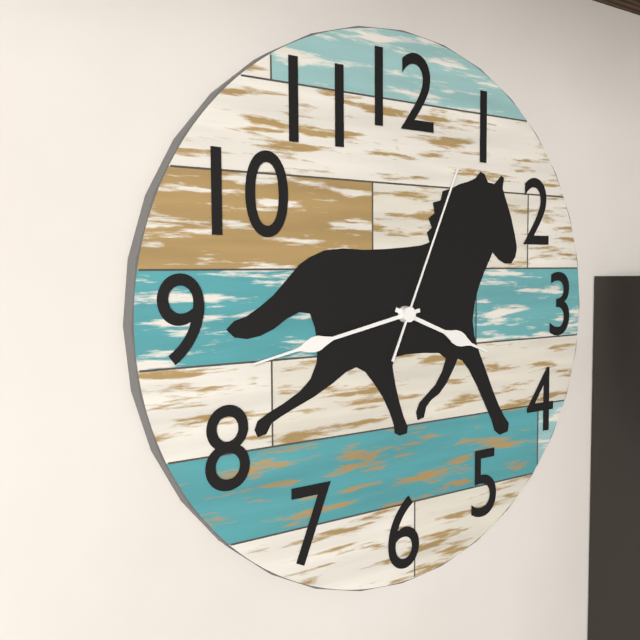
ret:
3,43,04
